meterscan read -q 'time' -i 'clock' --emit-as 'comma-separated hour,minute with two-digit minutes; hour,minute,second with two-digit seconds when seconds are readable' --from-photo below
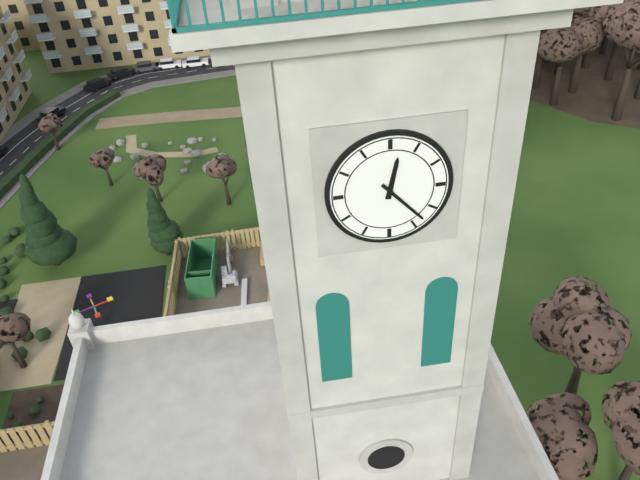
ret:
12,23
